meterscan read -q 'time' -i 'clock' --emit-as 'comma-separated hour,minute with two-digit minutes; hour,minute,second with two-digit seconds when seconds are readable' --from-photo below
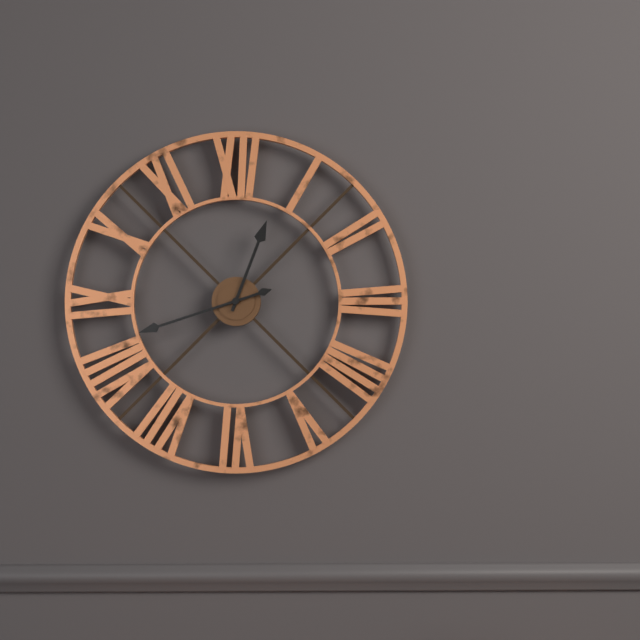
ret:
12,42
